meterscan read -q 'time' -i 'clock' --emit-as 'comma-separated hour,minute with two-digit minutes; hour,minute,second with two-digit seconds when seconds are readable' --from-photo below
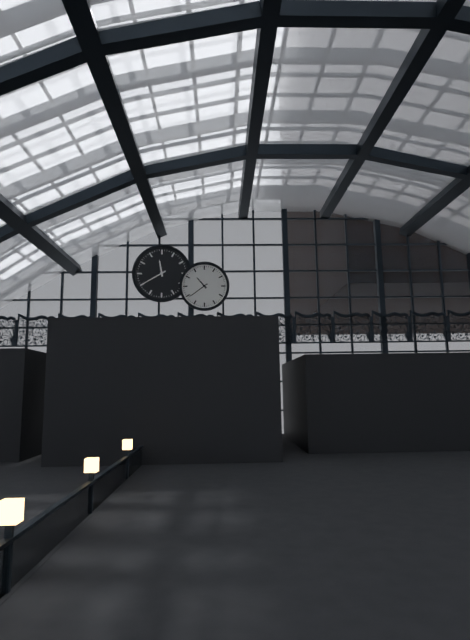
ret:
10,39
